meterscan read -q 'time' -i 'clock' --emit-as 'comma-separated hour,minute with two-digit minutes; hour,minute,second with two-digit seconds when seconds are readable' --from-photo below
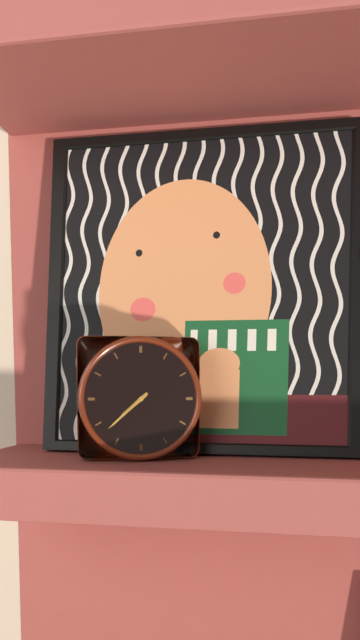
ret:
7,38
